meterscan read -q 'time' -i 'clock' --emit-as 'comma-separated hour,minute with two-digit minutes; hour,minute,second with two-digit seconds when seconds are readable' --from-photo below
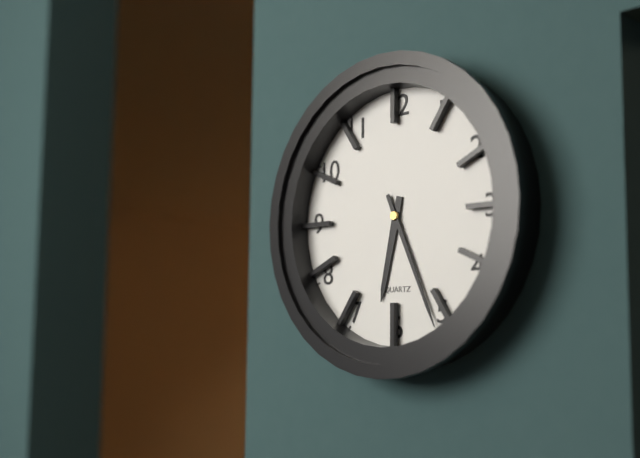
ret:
6,26
